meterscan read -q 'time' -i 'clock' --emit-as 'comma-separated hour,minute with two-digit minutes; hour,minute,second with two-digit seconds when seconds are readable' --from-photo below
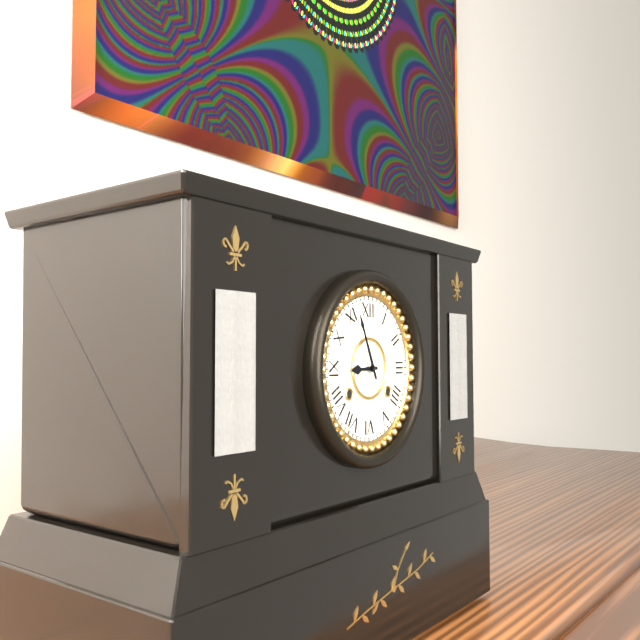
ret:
8,56
